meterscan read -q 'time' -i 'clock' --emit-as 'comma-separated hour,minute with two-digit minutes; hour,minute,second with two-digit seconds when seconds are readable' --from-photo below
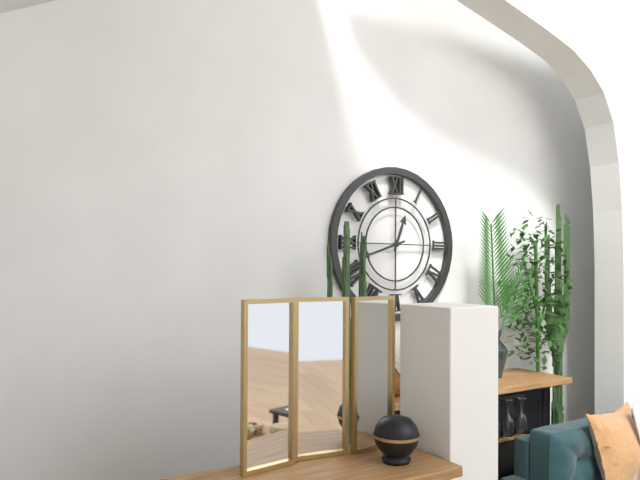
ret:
12,42
